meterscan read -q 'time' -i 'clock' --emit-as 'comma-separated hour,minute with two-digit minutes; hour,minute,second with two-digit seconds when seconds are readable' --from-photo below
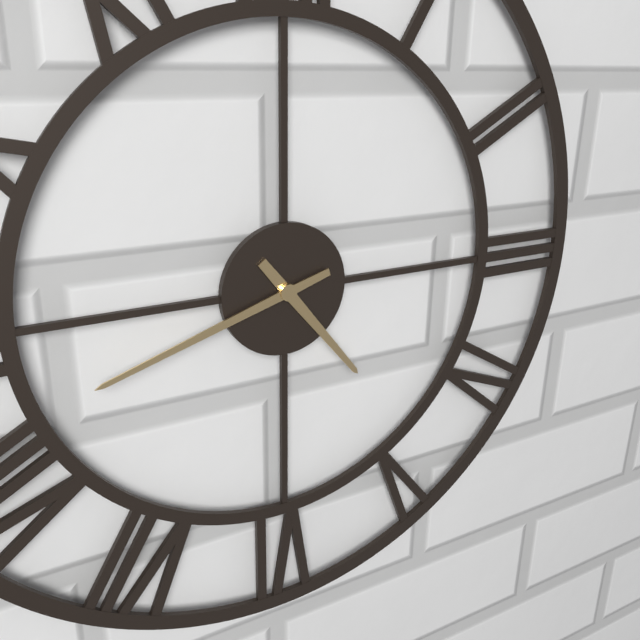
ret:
4,42
